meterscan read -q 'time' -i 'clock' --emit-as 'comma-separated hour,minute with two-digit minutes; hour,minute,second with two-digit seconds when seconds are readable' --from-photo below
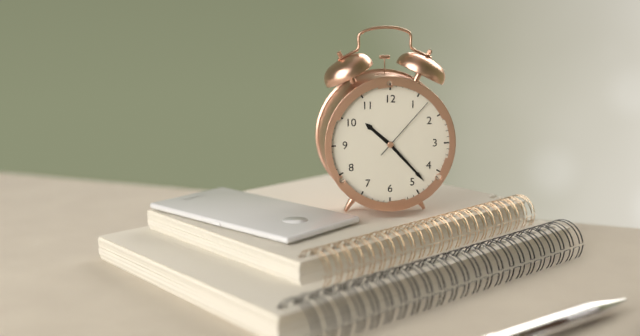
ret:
10,23,07
